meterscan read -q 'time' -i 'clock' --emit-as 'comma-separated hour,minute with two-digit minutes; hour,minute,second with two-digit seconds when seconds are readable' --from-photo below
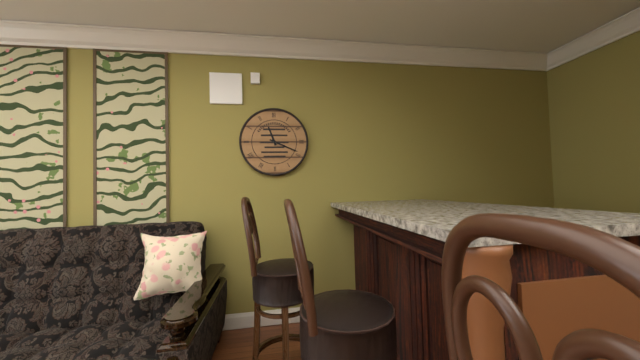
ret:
11,19
